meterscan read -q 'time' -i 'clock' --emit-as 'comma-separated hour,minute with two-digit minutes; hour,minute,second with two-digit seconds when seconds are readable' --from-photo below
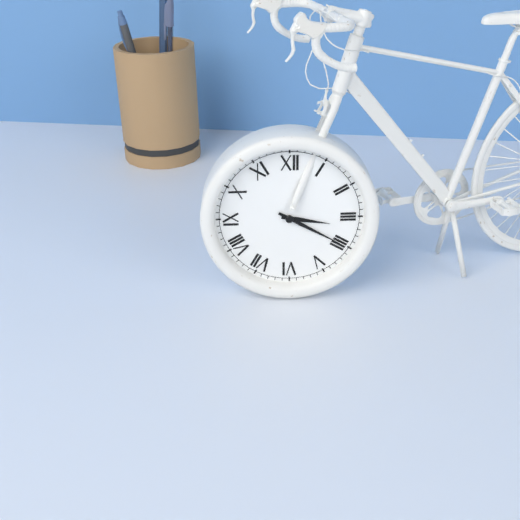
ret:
3,20
